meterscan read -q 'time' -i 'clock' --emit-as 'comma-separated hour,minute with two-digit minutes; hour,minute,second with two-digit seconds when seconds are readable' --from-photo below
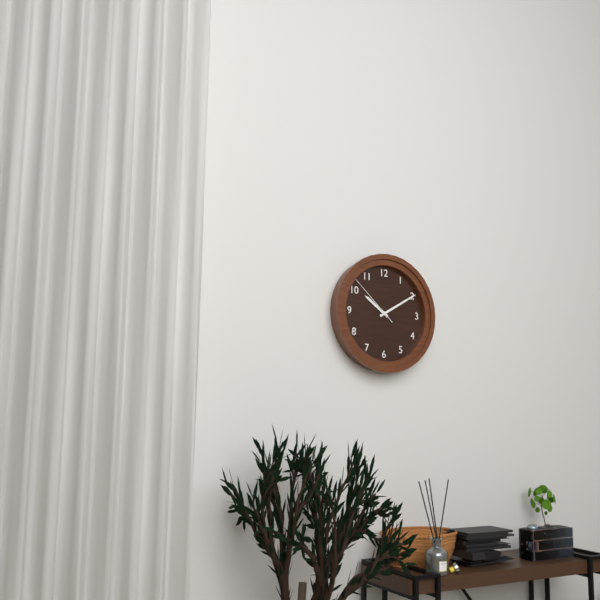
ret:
10,10,52
